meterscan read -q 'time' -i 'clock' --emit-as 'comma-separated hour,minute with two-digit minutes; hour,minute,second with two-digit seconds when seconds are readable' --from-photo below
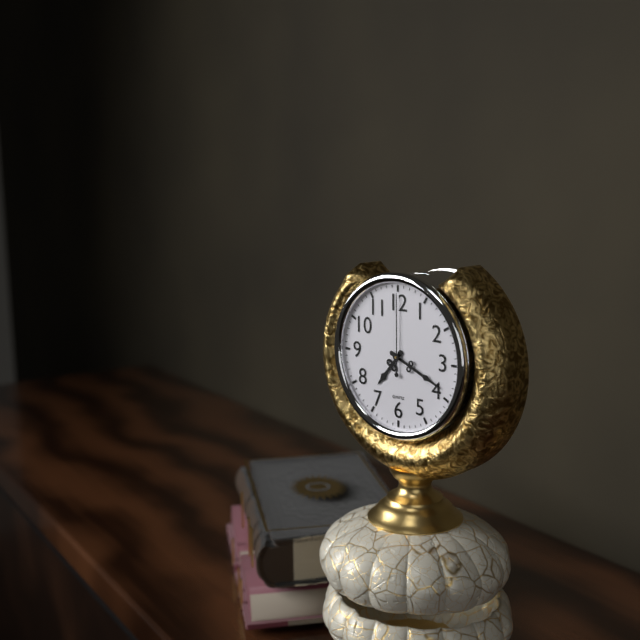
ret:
7,19,00
